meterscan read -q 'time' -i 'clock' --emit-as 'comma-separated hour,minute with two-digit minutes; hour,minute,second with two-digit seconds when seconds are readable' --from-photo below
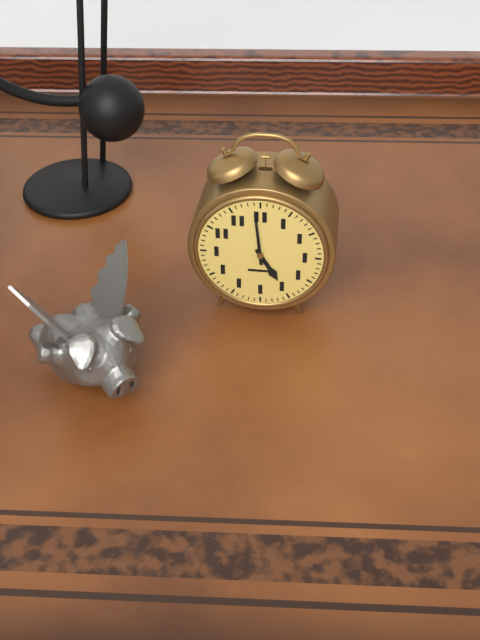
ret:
4,59
